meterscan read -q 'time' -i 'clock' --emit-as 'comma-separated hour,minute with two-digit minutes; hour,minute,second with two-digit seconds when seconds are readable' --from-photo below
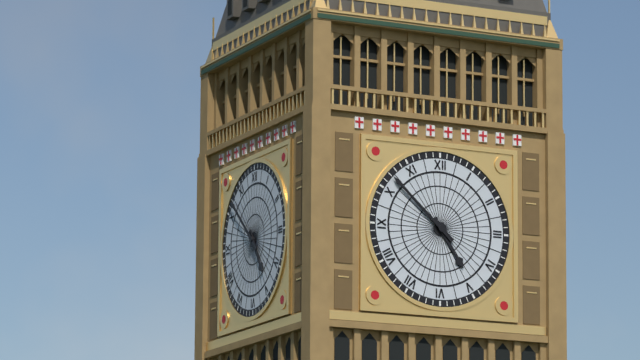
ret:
4,52
